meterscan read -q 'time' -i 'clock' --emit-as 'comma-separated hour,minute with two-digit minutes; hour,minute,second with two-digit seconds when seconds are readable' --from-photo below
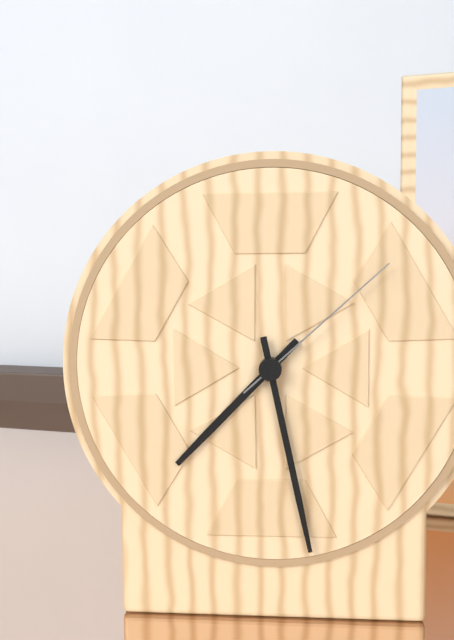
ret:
7,28,08
